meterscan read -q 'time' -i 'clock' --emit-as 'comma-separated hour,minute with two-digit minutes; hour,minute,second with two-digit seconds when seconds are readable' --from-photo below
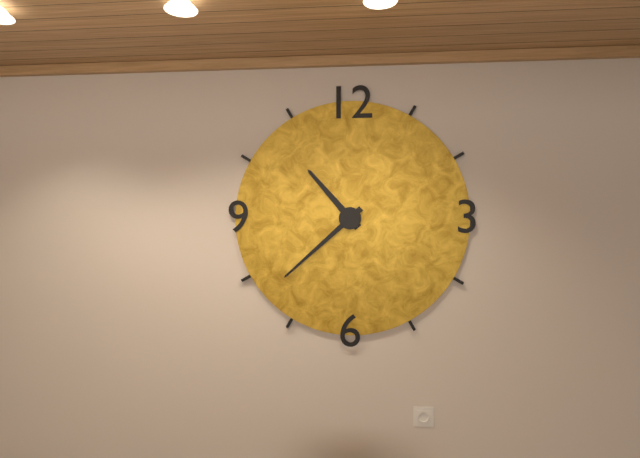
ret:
10,38
